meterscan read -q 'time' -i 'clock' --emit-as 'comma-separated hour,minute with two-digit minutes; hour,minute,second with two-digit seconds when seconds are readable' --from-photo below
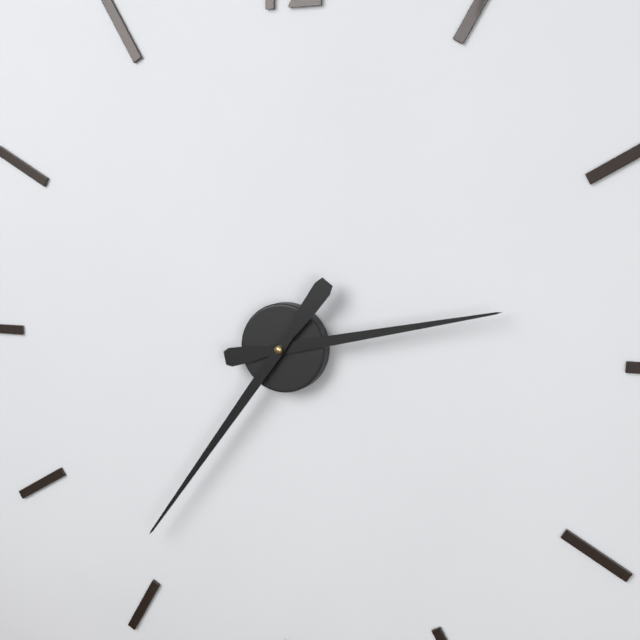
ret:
2,36
